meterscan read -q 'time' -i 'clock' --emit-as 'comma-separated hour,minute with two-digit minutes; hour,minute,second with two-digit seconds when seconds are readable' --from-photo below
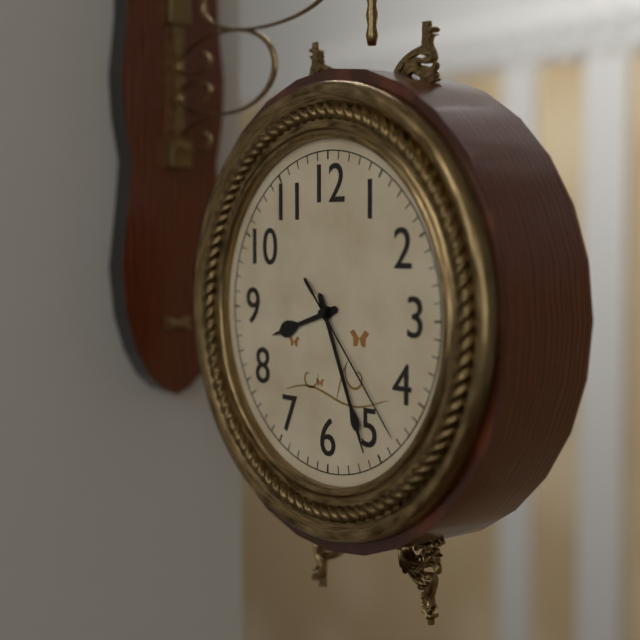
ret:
8,26,23
